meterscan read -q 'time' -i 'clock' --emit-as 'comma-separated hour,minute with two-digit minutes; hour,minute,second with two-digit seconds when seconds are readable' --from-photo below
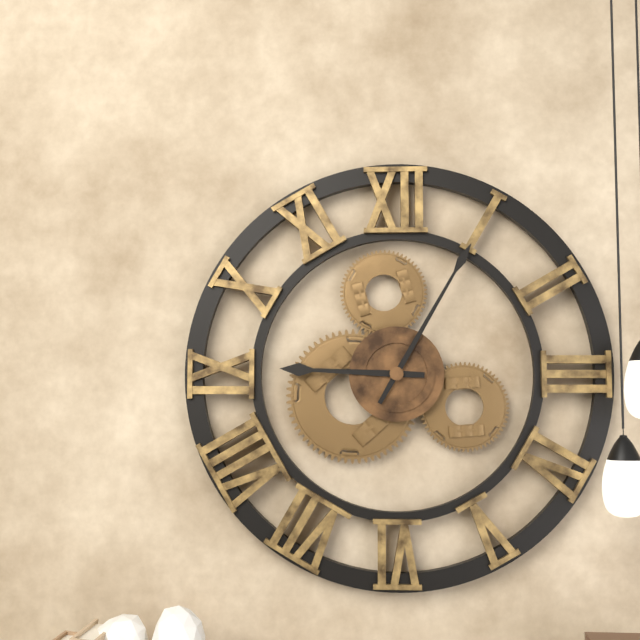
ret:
9,05
